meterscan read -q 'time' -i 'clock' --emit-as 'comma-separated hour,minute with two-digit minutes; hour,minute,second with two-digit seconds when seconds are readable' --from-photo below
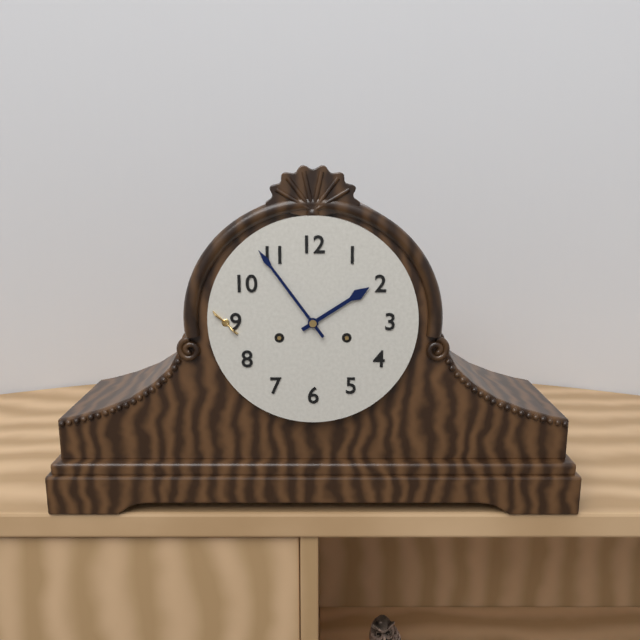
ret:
1,54
